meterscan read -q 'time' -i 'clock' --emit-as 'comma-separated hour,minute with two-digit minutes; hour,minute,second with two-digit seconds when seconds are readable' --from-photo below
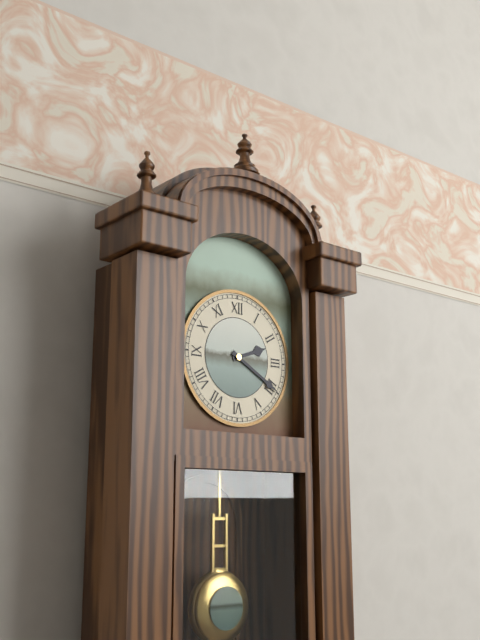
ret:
2,20
